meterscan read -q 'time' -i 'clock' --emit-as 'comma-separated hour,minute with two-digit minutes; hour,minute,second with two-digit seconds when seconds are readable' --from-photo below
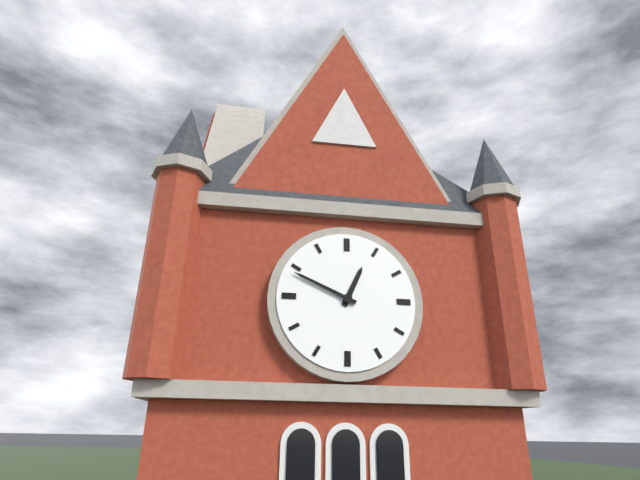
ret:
12,49
